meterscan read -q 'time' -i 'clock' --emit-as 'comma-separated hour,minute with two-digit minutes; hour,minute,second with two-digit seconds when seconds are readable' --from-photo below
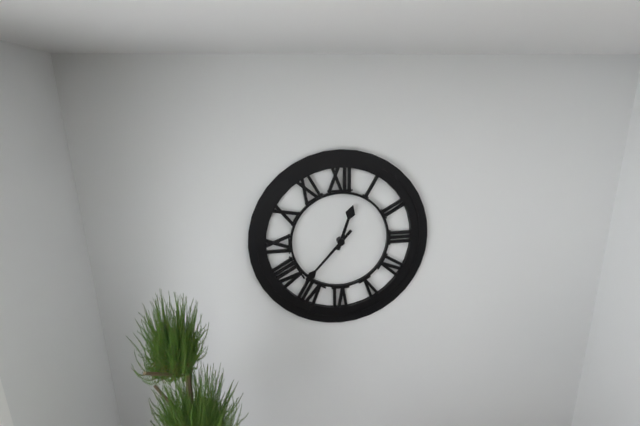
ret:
12,37
